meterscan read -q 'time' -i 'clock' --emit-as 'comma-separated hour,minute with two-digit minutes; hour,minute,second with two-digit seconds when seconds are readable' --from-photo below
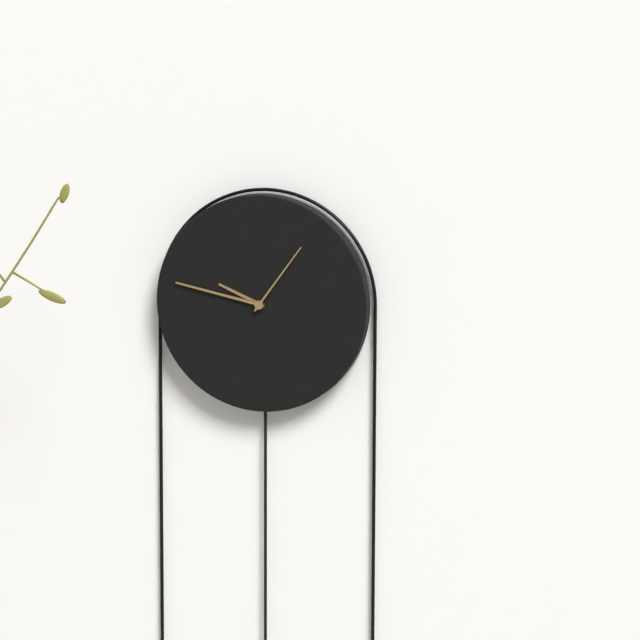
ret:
9,47,06
